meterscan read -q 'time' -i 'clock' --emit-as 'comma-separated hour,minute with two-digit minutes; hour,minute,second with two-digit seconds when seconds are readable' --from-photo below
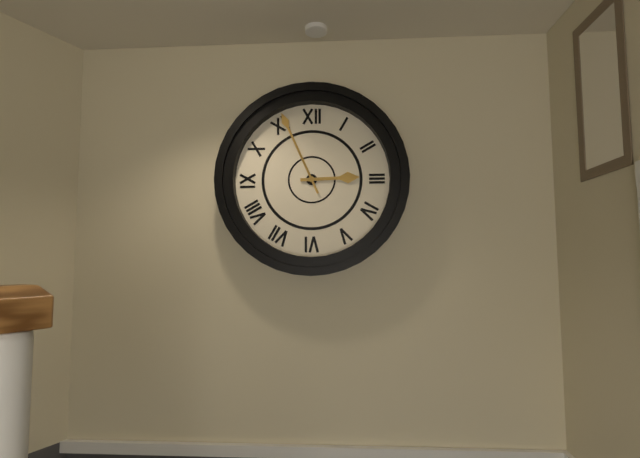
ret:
2,56
